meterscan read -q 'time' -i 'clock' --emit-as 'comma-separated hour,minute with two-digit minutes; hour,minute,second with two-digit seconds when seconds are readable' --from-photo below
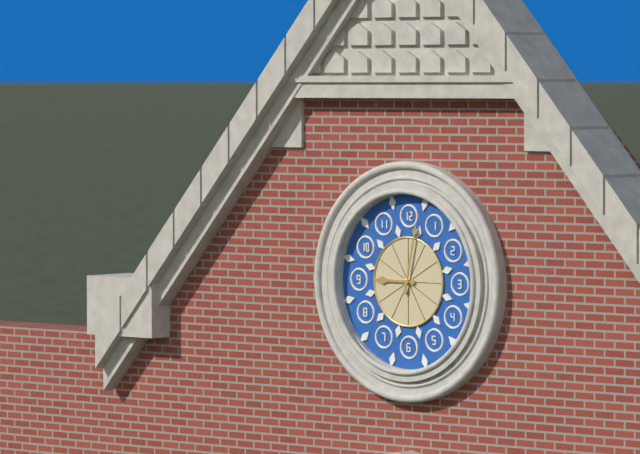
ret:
9,02
